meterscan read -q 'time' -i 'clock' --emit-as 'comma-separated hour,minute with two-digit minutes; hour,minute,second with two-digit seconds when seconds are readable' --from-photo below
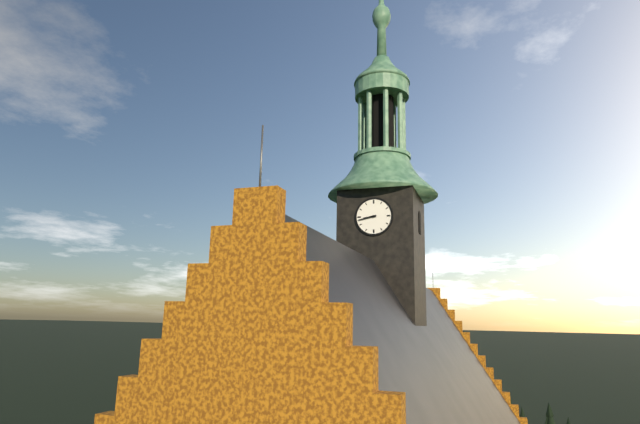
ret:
8,43
